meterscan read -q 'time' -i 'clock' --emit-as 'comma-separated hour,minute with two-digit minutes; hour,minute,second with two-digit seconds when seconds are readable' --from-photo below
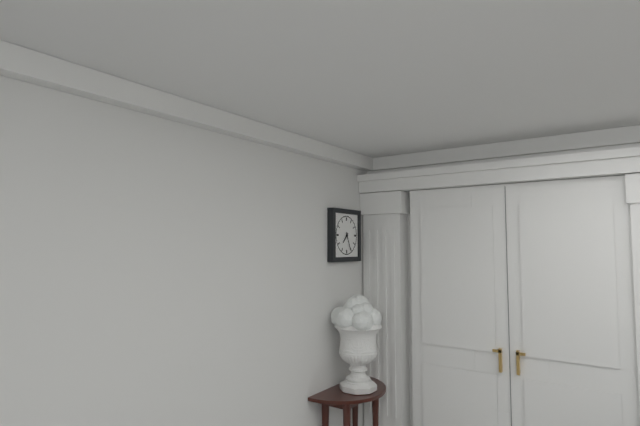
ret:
7,26
